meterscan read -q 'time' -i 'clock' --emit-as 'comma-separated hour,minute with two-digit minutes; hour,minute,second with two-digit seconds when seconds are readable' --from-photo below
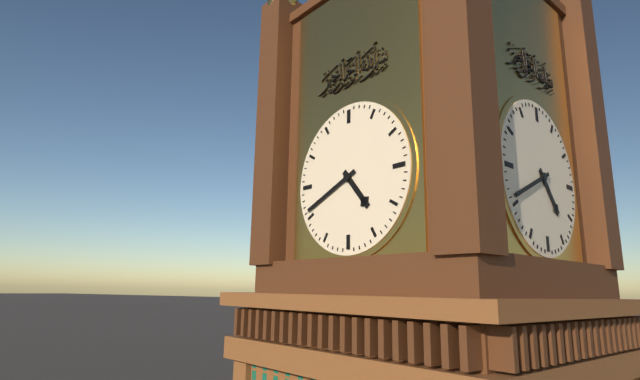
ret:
4,41
